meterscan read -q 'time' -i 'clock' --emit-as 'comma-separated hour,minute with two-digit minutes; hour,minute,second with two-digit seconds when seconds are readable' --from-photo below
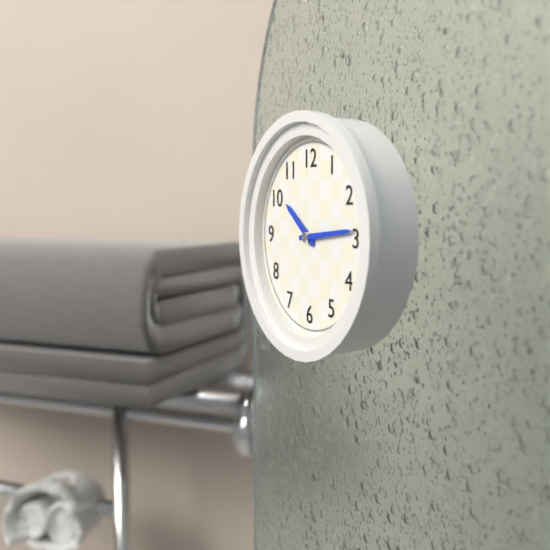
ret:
10,14
